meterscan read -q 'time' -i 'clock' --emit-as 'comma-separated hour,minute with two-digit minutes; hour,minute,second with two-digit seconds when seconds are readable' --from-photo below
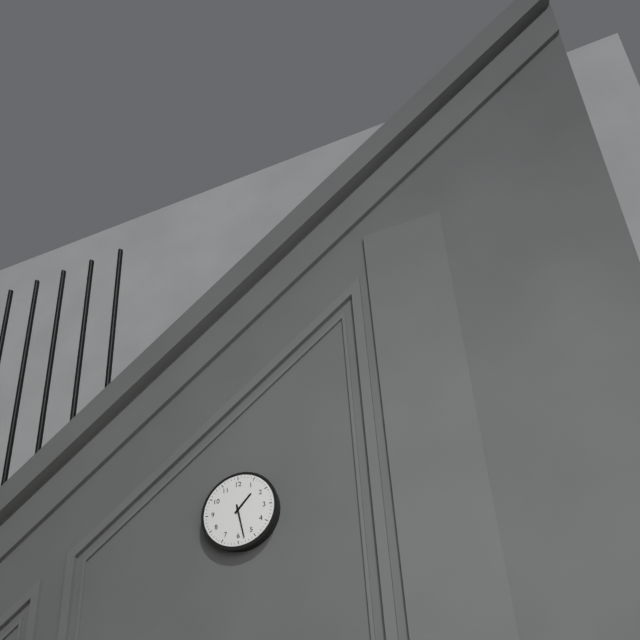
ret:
1,28
